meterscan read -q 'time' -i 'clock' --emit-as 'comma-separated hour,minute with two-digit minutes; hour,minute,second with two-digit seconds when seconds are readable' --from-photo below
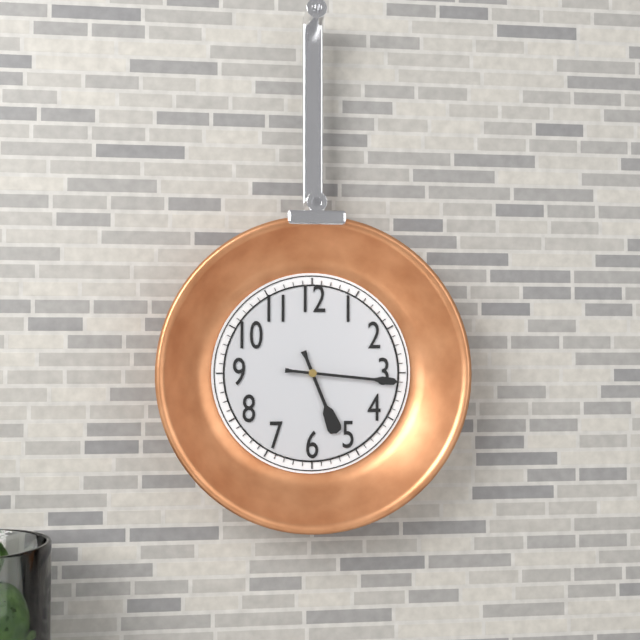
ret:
5,16
